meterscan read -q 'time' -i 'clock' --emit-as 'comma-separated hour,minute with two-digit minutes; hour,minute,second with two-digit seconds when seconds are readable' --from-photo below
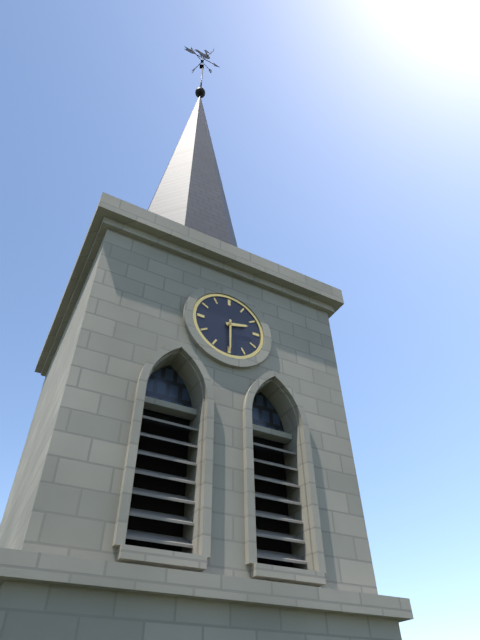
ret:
2,30
